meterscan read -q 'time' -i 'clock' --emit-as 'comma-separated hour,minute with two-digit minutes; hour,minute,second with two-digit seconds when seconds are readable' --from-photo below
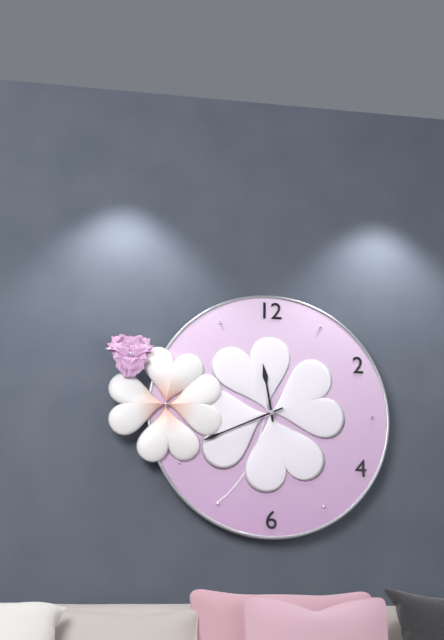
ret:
11,41
